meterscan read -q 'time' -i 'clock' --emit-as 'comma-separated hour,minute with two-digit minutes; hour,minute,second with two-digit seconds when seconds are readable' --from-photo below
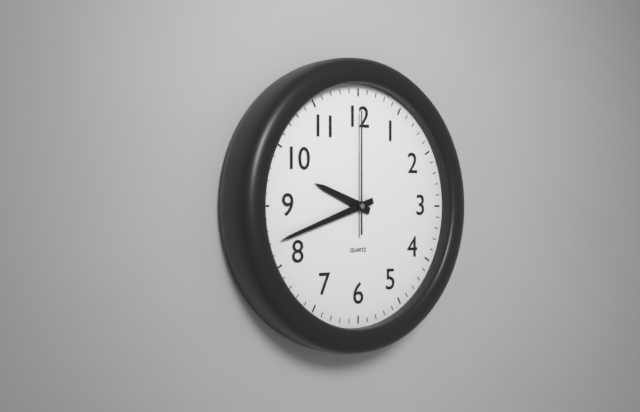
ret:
9,42,00
